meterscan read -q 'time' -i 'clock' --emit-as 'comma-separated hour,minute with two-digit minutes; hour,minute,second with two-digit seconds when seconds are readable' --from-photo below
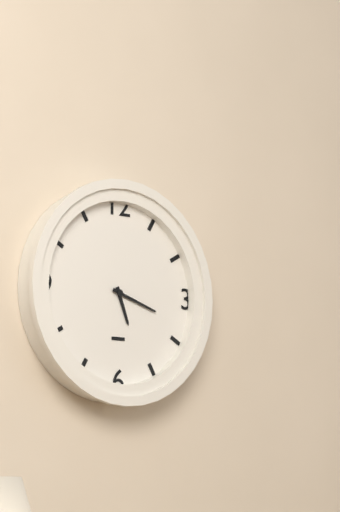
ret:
5,18
